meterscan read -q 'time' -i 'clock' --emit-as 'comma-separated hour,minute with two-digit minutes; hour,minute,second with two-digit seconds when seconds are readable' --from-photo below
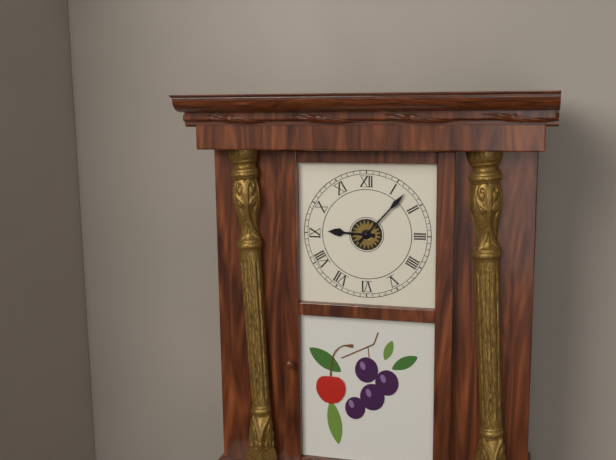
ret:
9,07
